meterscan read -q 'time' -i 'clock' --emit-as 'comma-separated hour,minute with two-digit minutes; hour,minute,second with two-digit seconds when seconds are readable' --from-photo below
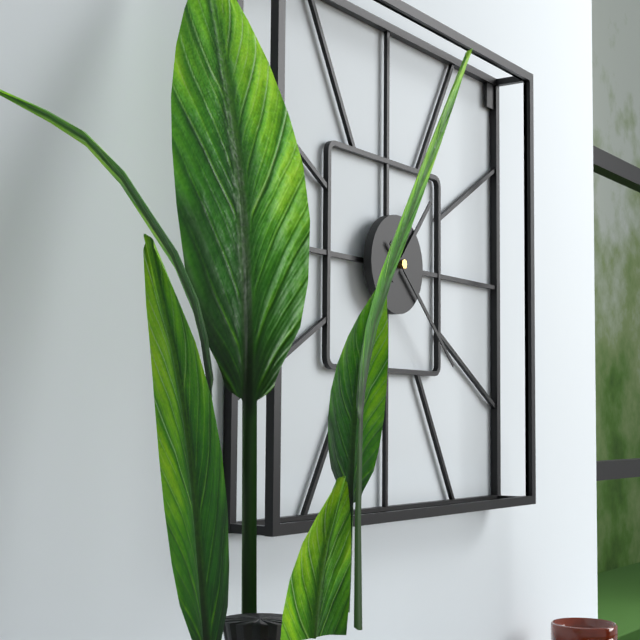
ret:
1,22
